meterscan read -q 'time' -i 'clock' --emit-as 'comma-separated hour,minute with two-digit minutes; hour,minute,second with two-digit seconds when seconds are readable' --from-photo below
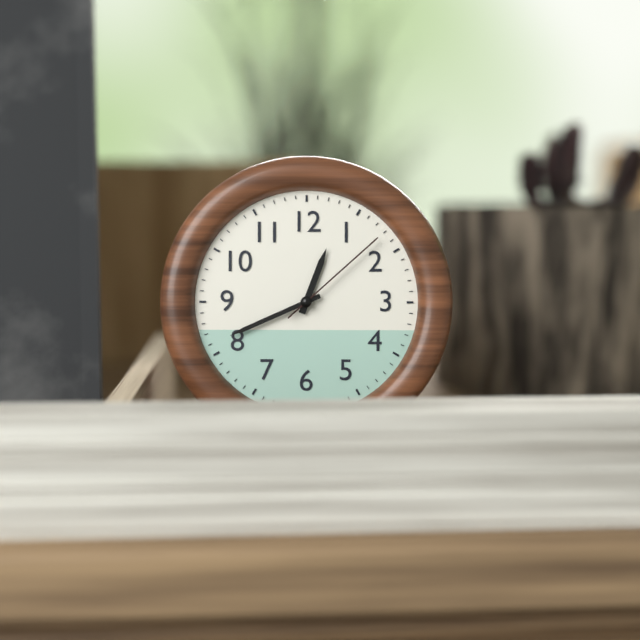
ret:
12,41,08
